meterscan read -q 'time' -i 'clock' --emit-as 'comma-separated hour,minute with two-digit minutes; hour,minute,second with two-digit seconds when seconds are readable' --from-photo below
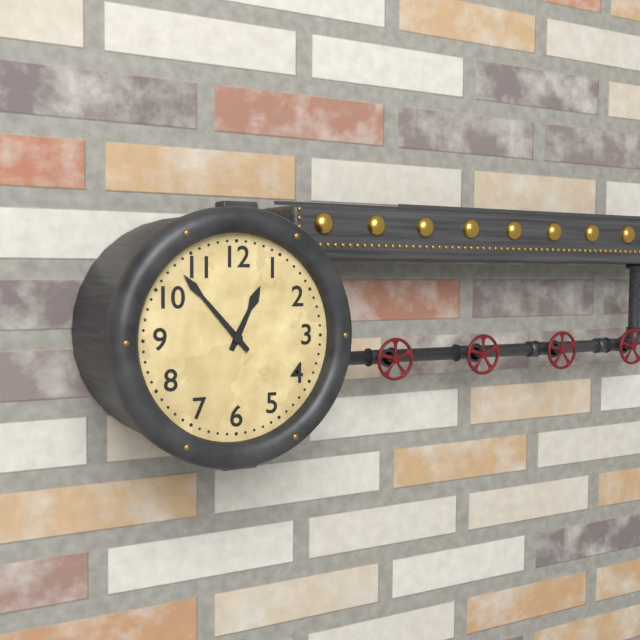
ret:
12,53
